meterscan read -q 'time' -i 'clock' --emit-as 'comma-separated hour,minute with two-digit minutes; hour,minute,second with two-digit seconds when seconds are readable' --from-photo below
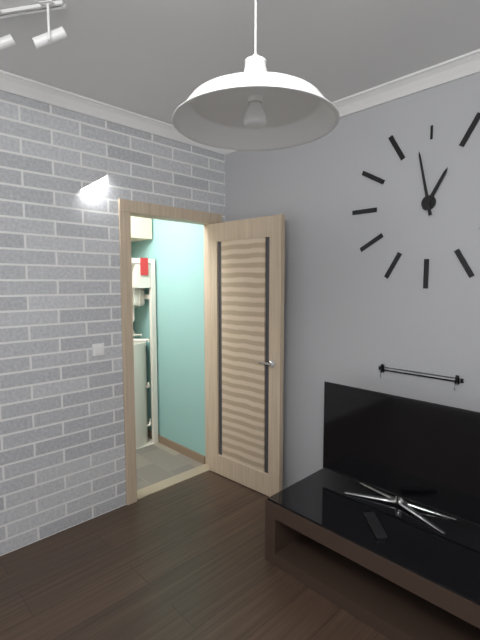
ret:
12,58
